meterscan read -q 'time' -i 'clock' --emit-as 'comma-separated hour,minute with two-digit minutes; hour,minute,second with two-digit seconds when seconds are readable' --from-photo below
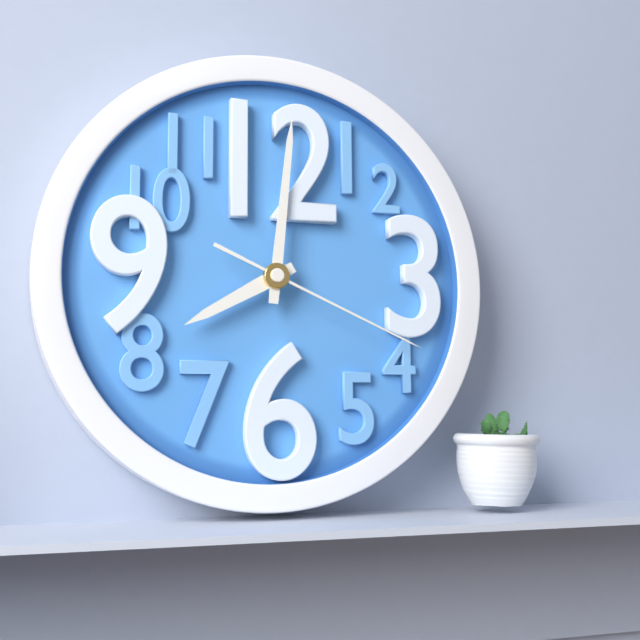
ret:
8,01,19
